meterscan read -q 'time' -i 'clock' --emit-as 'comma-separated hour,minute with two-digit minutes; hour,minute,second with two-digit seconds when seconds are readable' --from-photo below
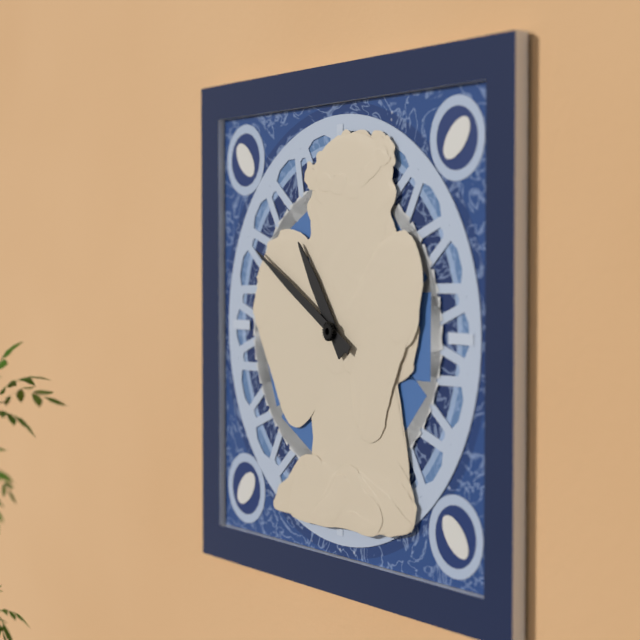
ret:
10,50
